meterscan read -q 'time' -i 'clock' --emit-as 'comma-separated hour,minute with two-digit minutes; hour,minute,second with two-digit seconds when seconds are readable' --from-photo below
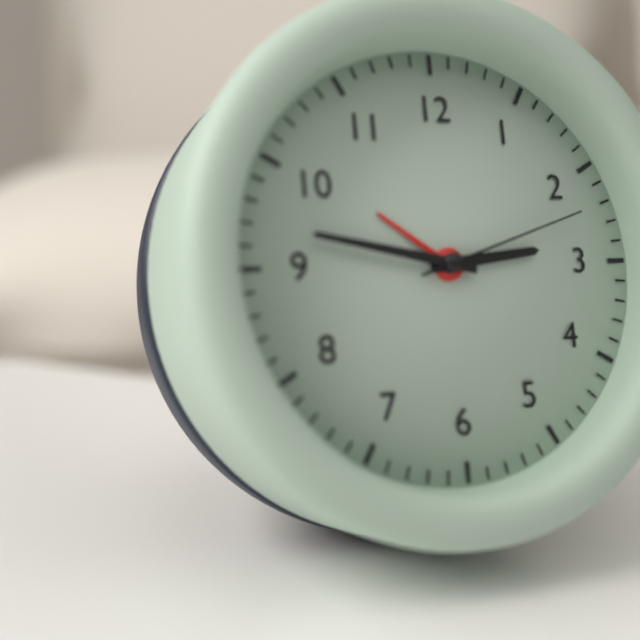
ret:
2,47,12
